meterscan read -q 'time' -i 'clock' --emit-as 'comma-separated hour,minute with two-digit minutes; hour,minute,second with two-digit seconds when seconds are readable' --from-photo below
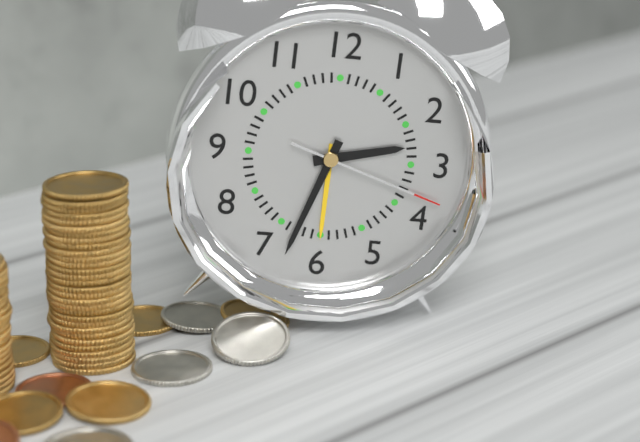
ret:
2,33,18
